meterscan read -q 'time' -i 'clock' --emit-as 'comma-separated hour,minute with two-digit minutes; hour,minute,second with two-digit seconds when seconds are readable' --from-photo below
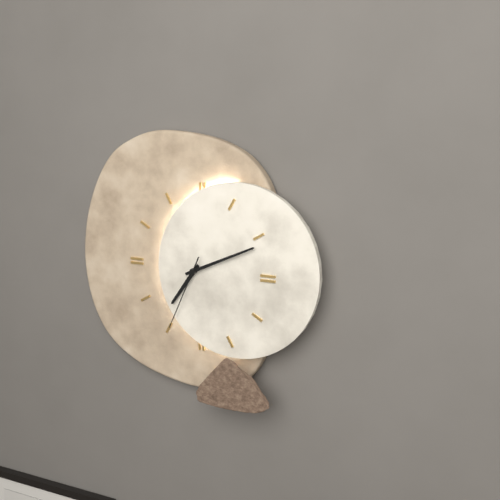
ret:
7,11,34
